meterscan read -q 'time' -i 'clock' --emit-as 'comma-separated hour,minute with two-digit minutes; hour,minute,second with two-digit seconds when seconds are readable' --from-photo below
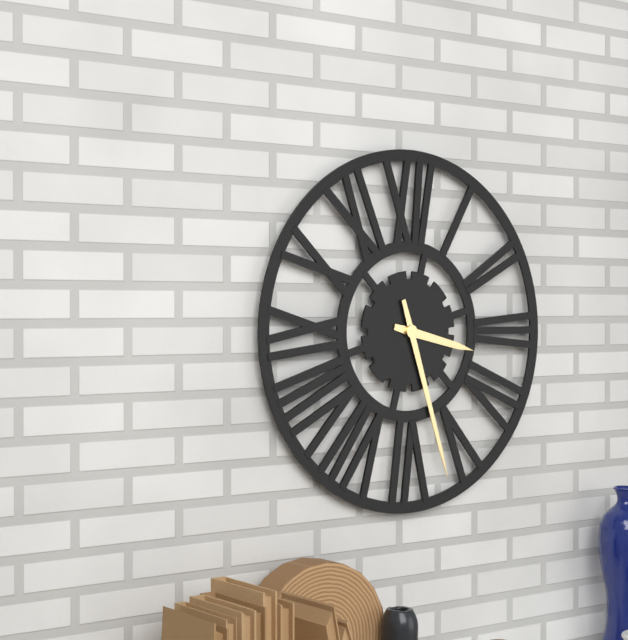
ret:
3,27
